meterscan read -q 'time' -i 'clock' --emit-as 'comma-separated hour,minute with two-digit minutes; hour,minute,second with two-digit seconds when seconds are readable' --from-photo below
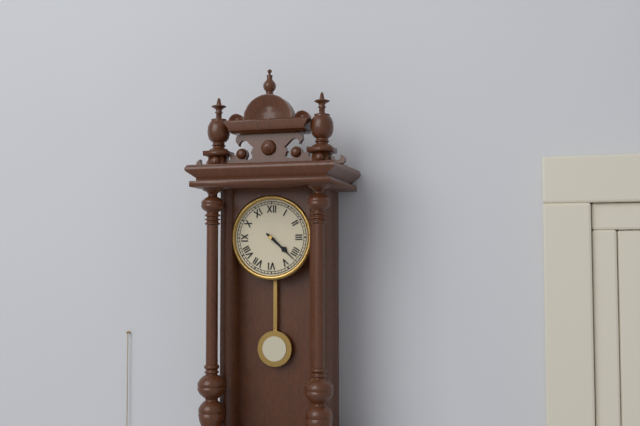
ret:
4,22
